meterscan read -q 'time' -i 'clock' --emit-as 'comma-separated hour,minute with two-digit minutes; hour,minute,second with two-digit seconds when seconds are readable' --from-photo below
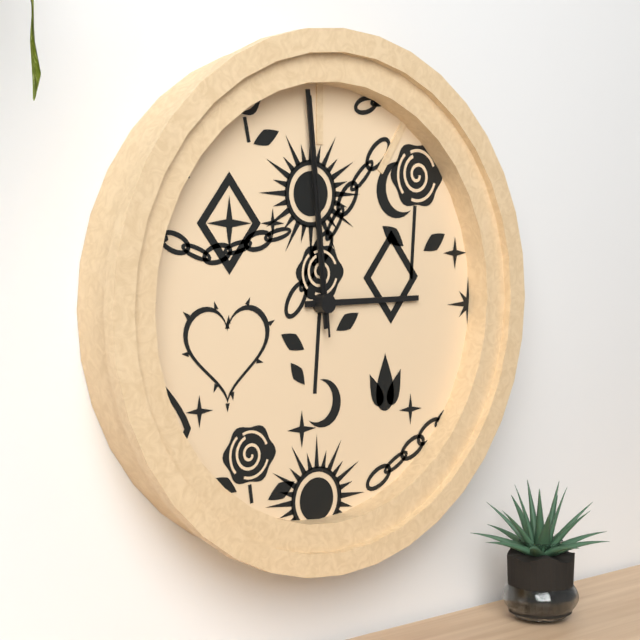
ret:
2,59,59
